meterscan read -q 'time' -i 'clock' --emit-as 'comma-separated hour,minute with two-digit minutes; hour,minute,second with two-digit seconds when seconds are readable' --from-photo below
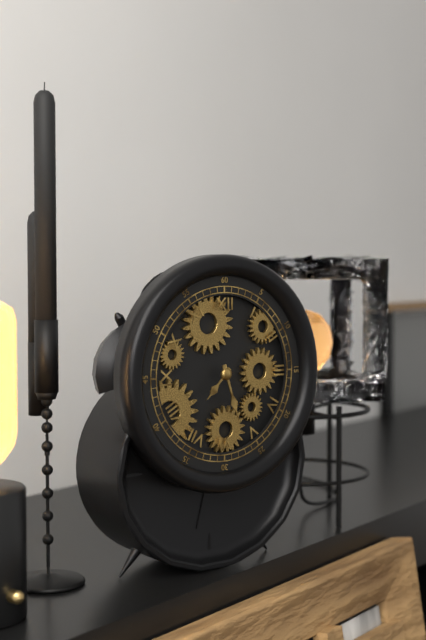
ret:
7,27
